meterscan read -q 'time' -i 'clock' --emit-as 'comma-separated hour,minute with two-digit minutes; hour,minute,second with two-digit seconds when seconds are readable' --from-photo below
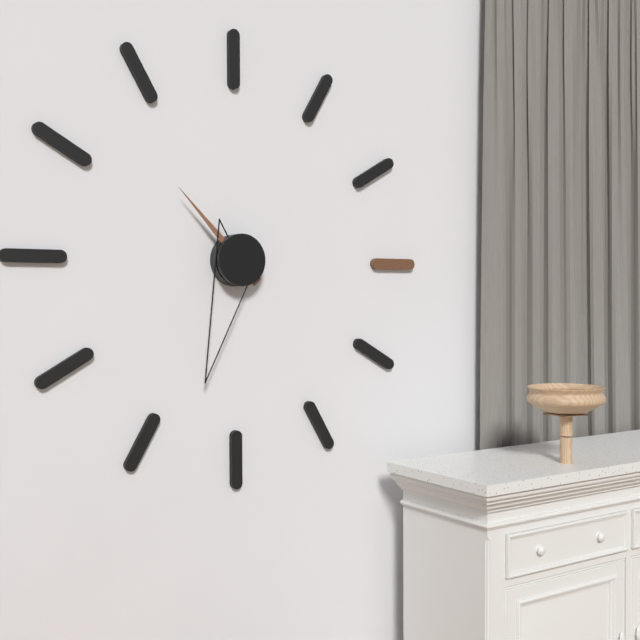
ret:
10,33
